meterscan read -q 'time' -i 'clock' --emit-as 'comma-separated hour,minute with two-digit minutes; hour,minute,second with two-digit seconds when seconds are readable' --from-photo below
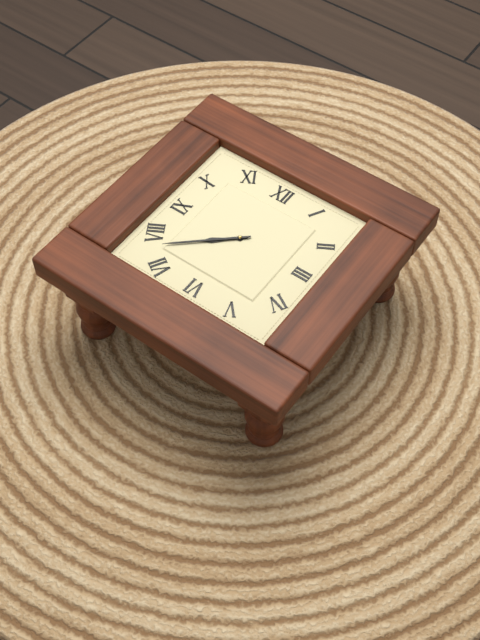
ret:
7,38
